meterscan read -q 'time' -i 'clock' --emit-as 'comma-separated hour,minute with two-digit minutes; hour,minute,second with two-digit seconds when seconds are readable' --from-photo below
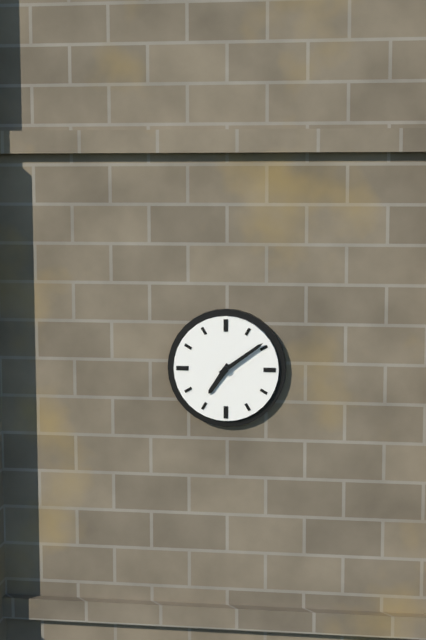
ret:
7,09
